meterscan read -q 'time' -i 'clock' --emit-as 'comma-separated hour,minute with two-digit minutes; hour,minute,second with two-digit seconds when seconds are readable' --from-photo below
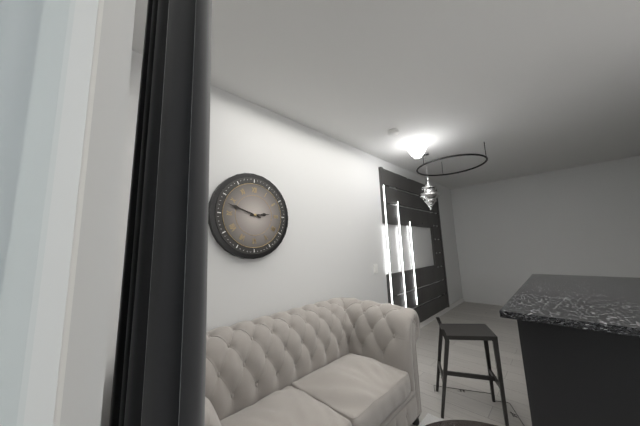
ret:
2,48
